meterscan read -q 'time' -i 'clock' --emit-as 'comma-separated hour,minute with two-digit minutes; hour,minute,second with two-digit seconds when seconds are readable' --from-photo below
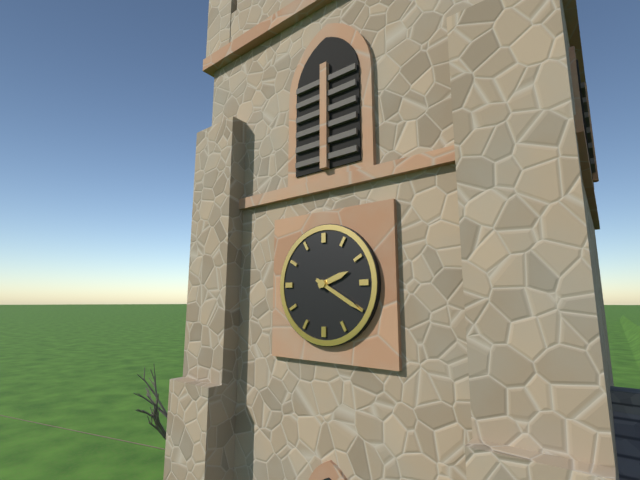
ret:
2,20
